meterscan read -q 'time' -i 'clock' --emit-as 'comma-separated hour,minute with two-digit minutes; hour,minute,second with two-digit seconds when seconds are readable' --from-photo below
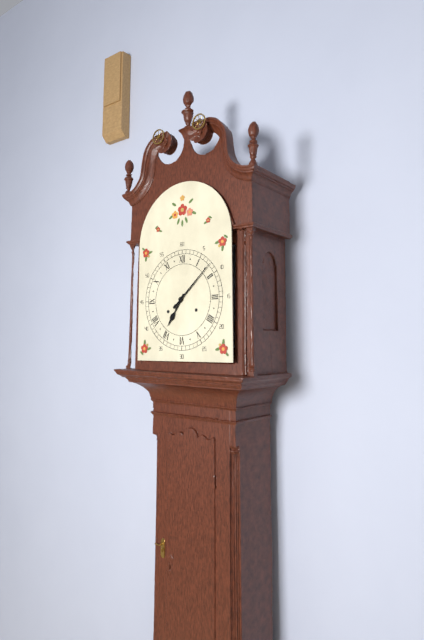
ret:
7,08
